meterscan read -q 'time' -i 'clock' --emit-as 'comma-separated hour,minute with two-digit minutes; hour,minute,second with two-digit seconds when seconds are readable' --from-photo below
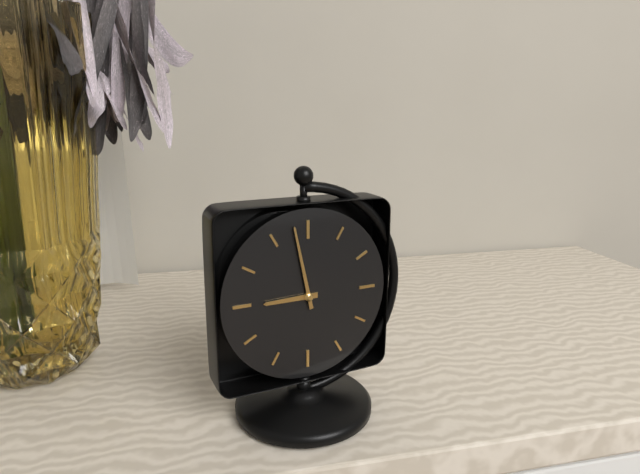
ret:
8,58
